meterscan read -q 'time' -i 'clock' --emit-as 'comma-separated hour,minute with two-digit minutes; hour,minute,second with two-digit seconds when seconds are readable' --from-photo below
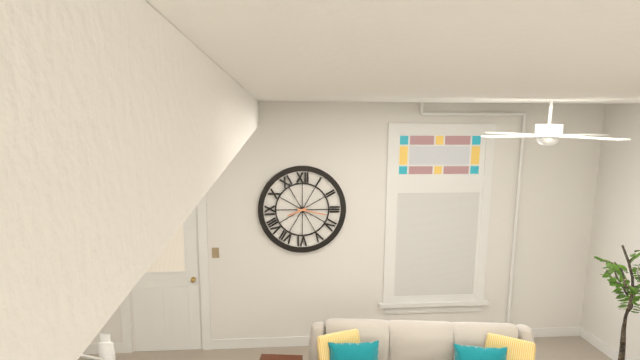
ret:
8,17
